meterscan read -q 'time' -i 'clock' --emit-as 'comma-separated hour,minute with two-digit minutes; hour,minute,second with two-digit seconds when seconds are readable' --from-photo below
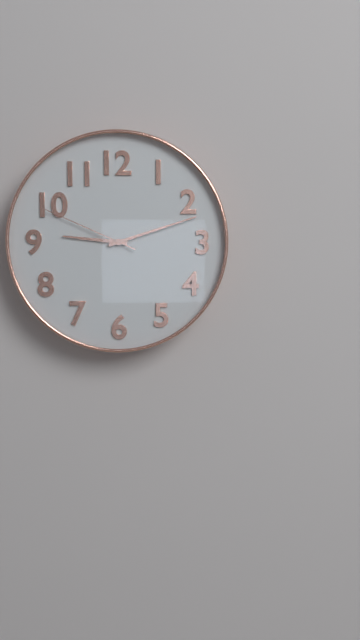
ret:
9,12,49
